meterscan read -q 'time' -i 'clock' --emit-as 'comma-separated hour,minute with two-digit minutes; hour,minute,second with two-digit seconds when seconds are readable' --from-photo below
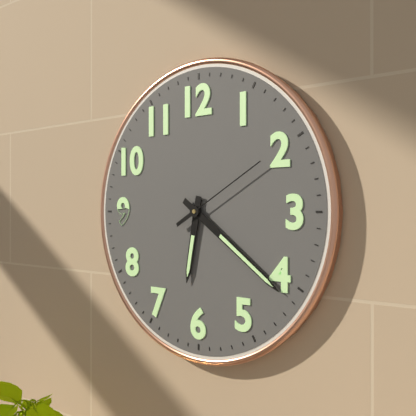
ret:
6,21,10
